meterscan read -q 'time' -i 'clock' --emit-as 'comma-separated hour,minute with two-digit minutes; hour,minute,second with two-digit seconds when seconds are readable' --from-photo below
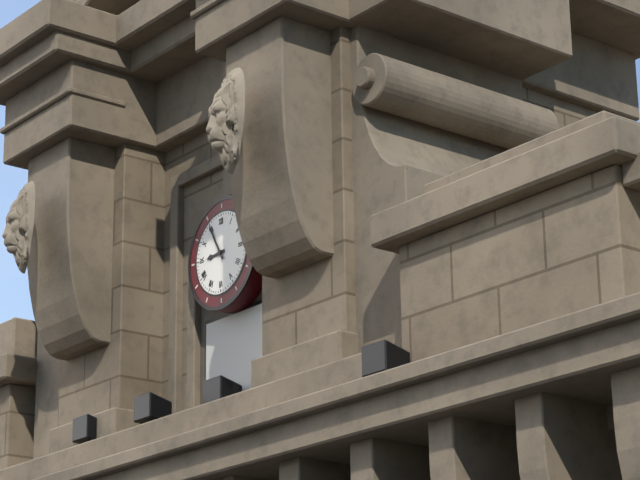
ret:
8,55
